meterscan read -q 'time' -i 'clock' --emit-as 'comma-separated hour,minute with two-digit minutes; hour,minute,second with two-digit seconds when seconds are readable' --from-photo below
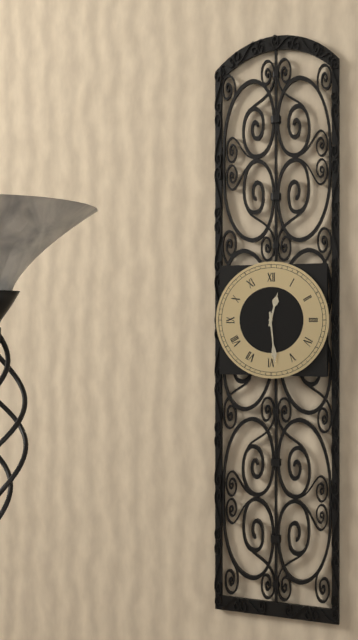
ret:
12,29
